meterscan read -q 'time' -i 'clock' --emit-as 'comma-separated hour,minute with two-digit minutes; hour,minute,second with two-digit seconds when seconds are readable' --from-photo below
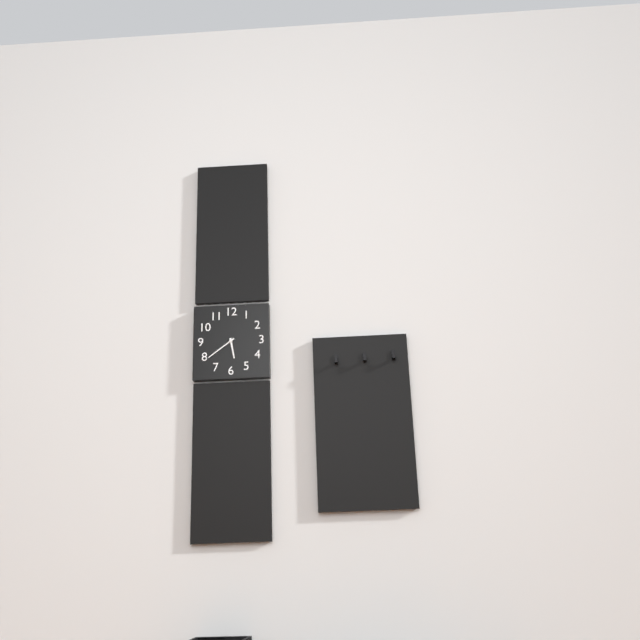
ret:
5,39
